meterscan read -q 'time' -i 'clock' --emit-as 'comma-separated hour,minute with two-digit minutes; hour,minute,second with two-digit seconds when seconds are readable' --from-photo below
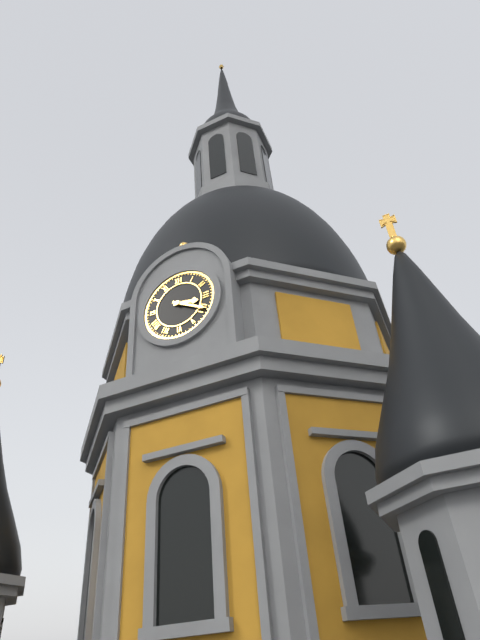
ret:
3,20
